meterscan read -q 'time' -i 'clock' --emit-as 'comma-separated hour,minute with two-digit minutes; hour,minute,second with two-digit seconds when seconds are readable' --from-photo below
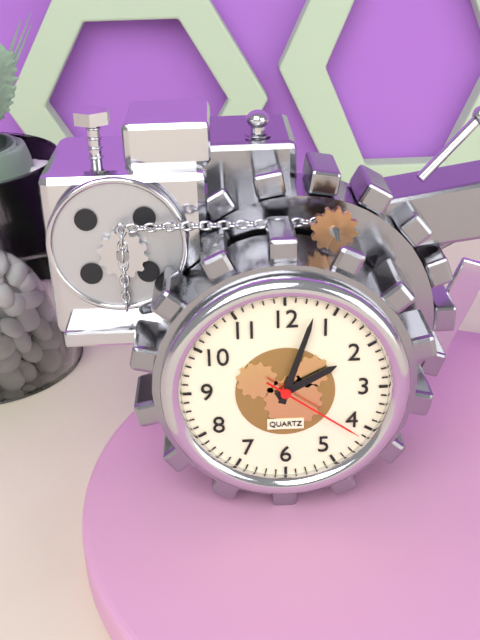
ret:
2,03,21
